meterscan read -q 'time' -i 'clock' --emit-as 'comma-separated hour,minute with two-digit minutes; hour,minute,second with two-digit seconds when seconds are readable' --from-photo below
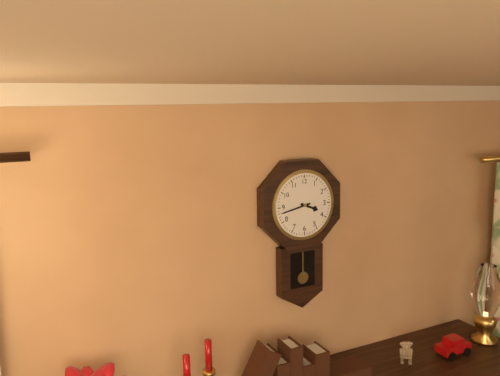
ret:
3,43
